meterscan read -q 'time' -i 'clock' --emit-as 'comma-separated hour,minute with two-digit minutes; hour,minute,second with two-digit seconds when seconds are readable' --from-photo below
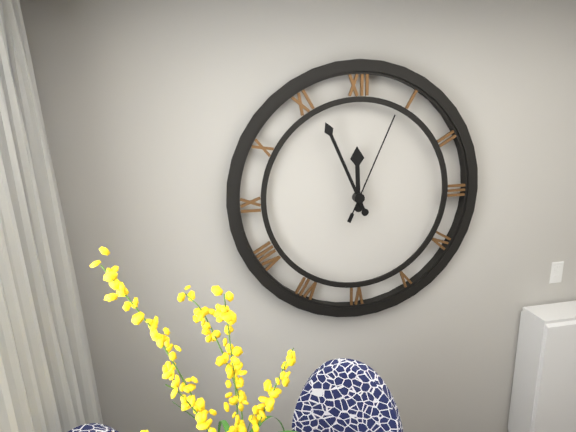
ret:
11,56,04
